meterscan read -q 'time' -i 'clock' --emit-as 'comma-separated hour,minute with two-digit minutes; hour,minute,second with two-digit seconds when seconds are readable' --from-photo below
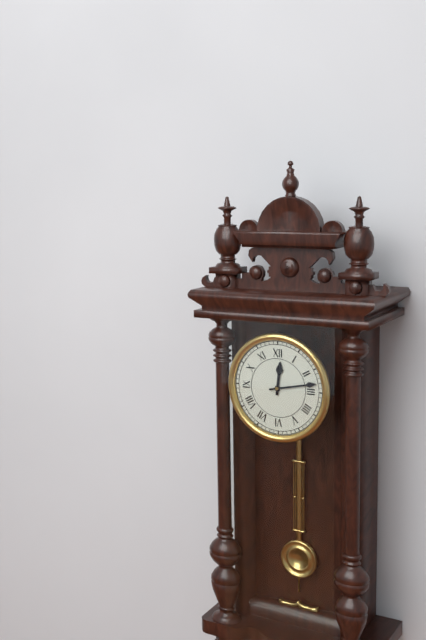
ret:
12,13
